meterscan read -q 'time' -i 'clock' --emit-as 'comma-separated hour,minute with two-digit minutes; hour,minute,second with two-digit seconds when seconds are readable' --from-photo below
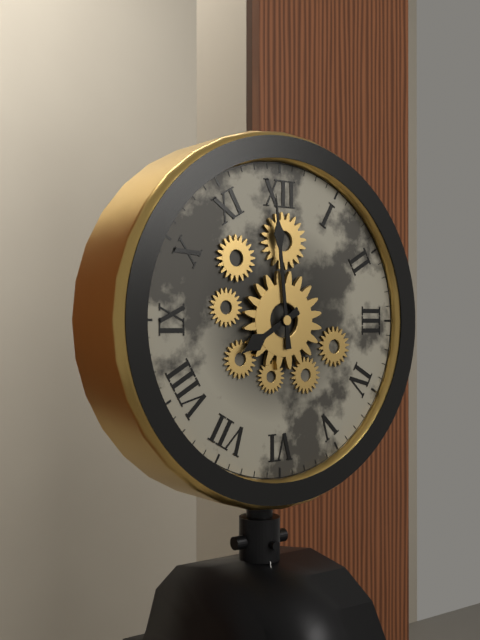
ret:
7,59
